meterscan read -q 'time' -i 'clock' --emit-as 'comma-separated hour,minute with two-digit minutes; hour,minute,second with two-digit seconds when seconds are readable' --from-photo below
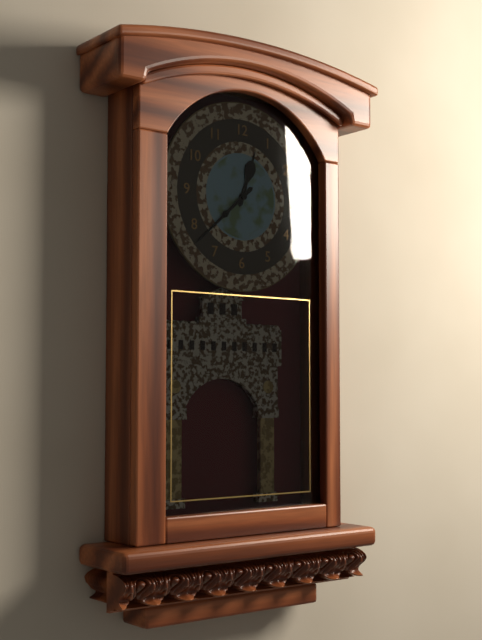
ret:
12,38
